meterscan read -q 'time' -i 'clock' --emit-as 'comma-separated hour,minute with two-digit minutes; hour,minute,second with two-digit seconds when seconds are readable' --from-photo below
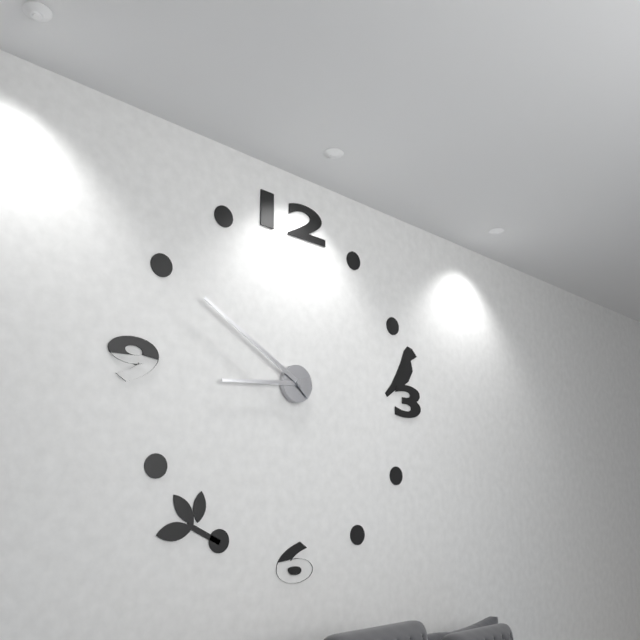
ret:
8,50
